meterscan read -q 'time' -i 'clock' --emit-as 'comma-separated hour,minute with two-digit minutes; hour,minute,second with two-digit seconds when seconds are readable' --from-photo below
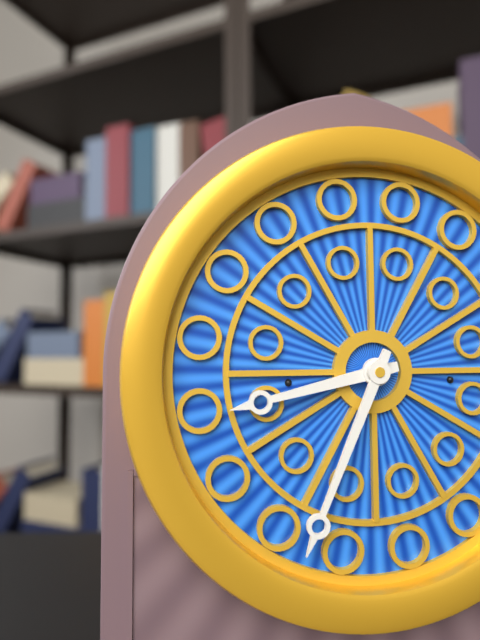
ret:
8,34
